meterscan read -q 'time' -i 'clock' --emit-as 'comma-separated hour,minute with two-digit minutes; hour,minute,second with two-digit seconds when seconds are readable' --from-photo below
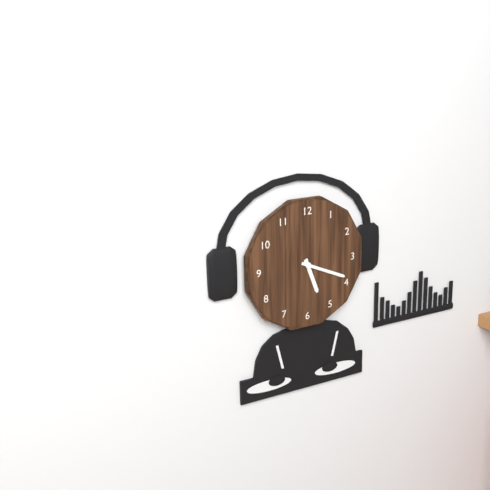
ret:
5,19
